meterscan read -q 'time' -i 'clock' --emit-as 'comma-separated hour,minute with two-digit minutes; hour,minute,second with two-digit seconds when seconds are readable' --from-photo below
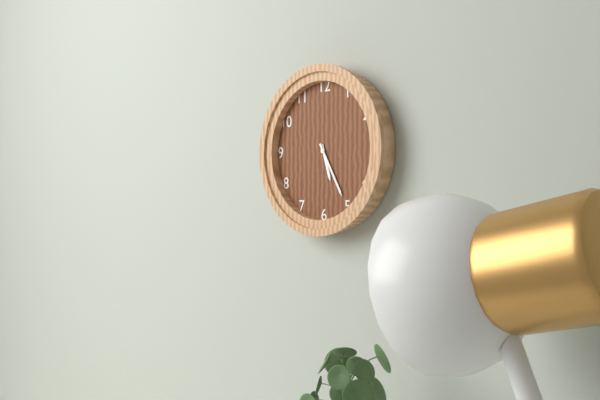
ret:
5,25
